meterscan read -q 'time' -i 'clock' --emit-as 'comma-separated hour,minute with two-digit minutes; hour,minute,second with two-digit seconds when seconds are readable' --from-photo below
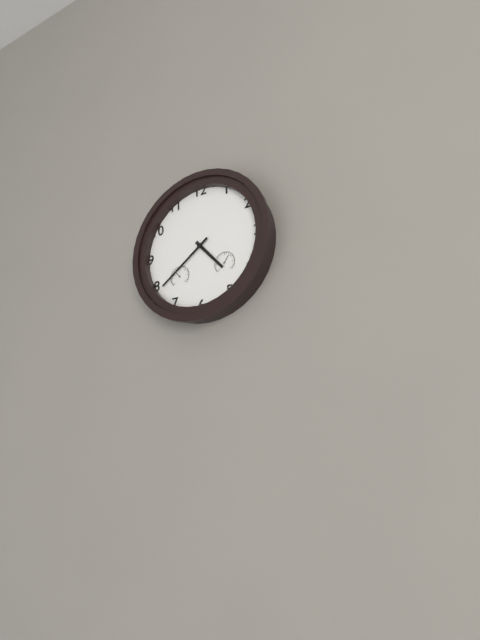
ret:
4,39
